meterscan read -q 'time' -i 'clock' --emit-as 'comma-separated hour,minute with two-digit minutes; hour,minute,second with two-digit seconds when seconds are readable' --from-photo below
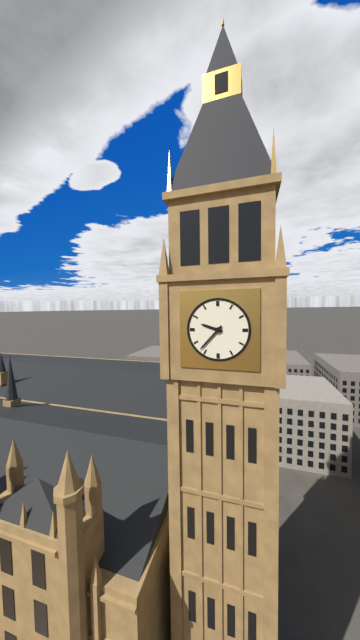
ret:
9,37
